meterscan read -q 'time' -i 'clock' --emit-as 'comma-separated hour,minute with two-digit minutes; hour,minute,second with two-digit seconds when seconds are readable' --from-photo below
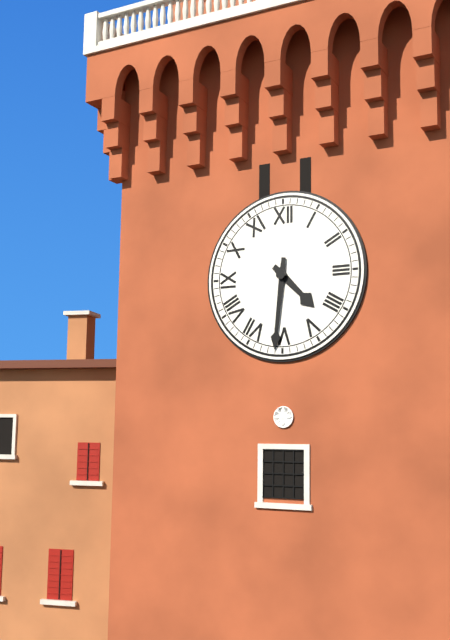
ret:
4,31
